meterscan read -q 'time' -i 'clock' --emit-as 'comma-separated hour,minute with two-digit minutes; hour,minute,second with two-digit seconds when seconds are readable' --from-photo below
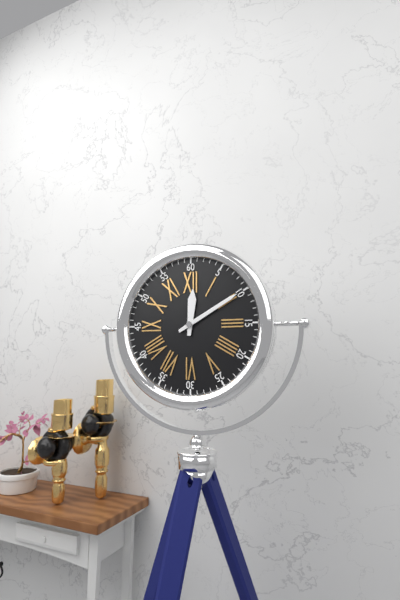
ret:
12,10
